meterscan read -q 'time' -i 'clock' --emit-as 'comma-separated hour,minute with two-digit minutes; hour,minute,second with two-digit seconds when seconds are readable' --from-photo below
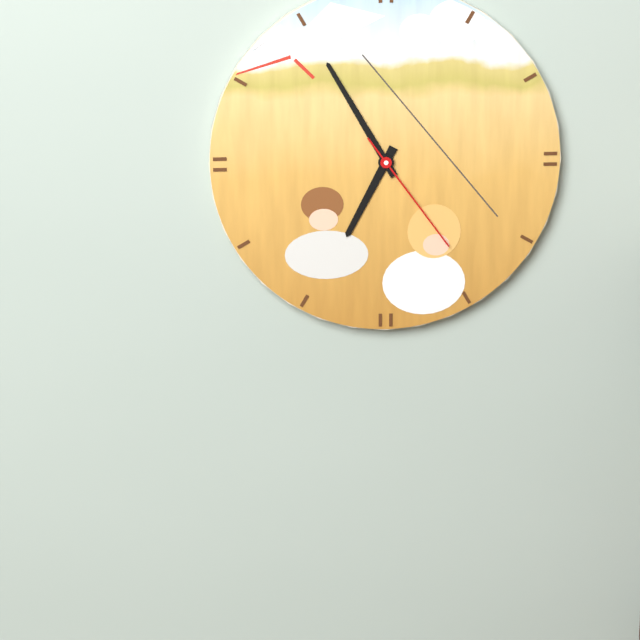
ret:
6,55,24
